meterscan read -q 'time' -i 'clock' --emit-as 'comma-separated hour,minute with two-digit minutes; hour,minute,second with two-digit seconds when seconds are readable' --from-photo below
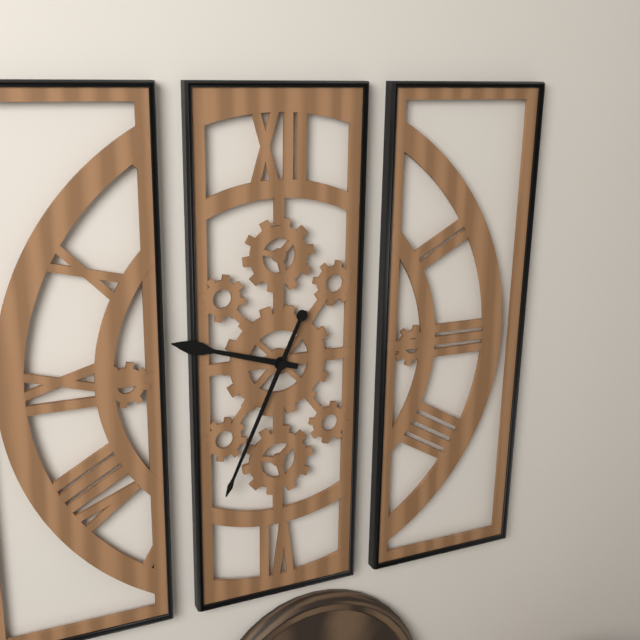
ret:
9,34
